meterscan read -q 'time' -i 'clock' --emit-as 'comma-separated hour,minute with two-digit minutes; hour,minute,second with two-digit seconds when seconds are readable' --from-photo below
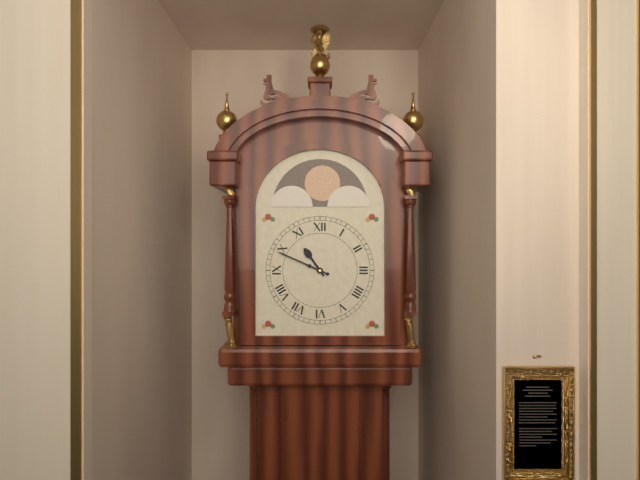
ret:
10,49
